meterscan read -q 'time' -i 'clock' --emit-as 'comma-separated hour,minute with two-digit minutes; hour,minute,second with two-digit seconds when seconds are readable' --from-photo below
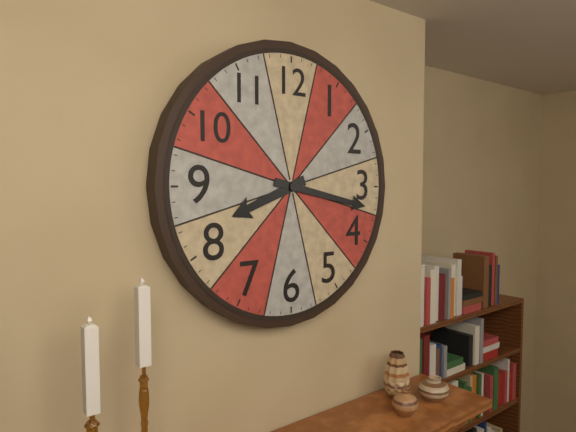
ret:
8,17
